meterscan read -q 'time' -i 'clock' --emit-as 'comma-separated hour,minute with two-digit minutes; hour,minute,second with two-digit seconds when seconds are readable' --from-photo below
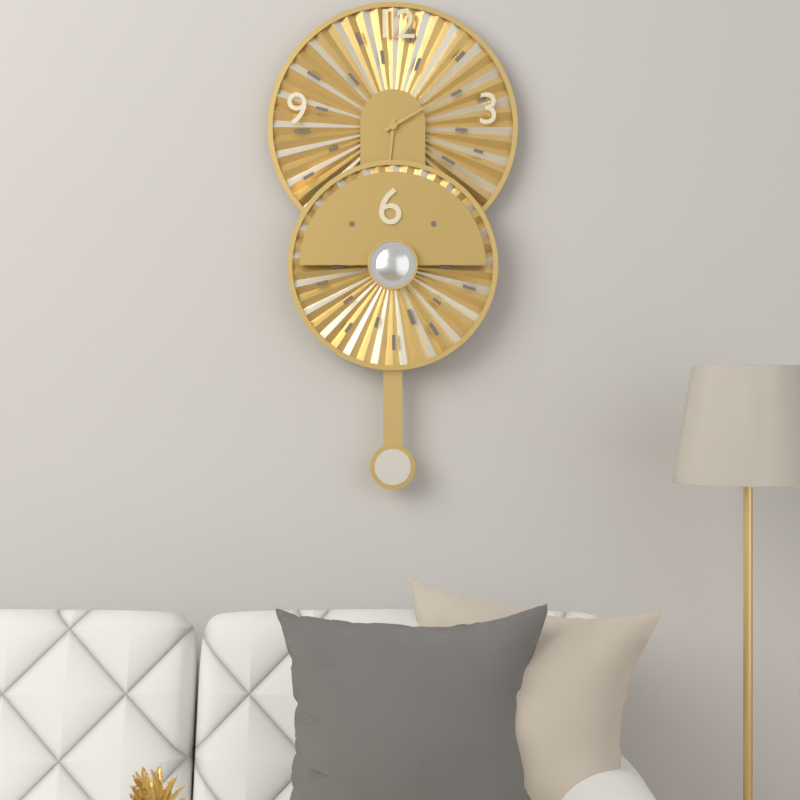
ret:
6,10
